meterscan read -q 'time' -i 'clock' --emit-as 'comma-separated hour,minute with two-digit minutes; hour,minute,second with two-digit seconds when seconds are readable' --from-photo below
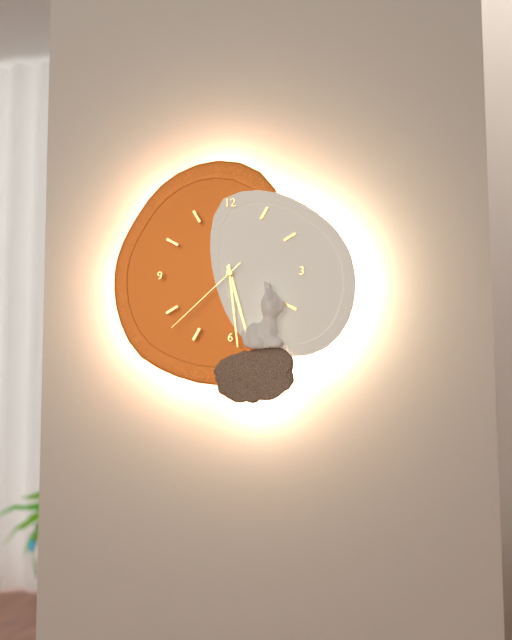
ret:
5,29,38
